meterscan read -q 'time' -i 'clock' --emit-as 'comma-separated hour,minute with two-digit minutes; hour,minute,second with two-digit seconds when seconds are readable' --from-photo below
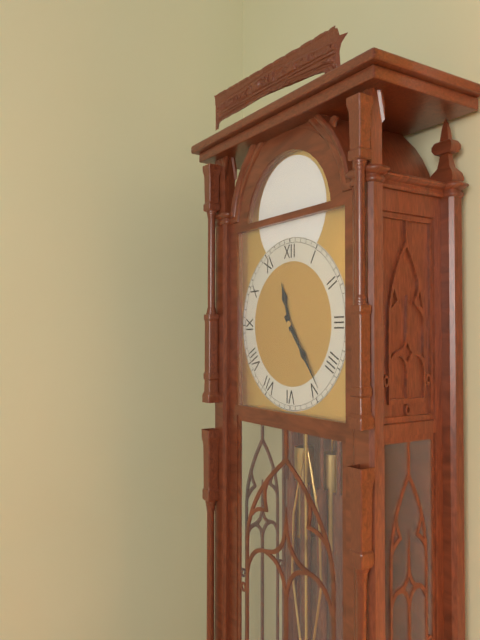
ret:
11,24
